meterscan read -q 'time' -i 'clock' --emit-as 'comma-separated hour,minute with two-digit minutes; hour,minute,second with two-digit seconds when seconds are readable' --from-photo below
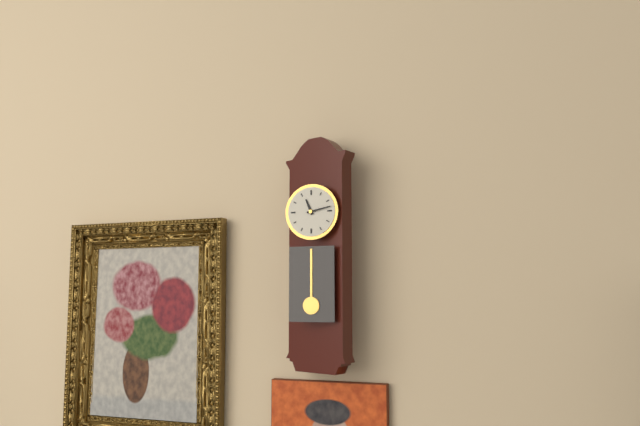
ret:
11,13
